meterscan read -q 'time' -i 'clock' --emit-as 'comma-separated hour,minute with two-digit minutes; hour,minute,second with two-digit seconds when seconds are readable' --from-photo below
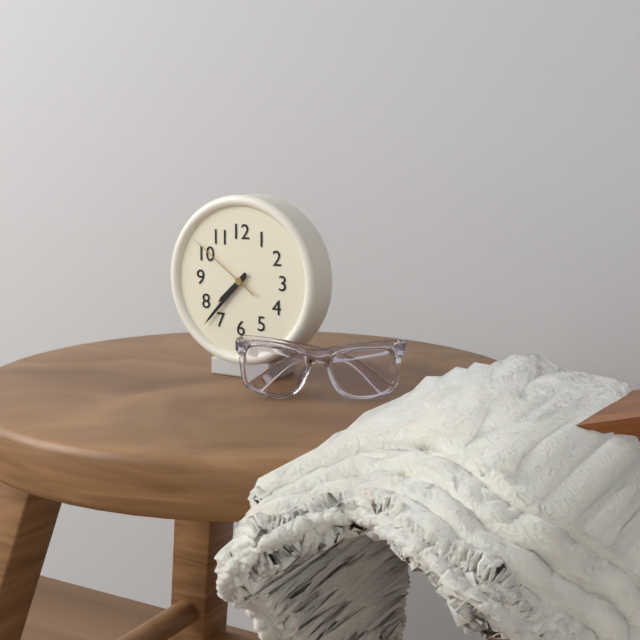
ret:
7,37,51
